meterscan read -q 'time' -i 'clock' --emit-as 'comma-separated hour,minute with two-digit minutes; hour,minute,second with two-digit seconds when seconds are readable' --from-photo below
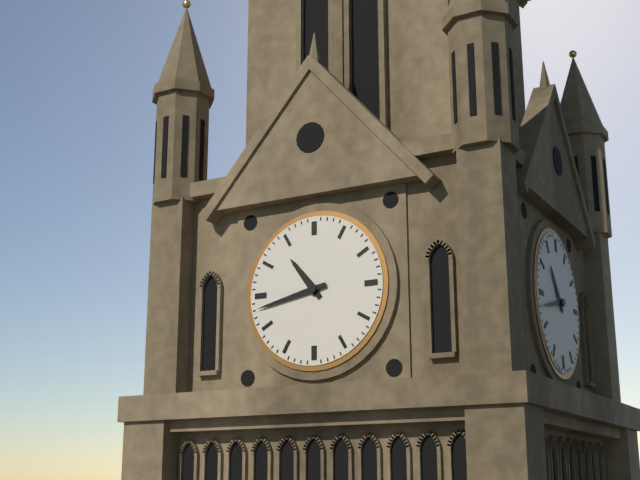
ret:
10,43
